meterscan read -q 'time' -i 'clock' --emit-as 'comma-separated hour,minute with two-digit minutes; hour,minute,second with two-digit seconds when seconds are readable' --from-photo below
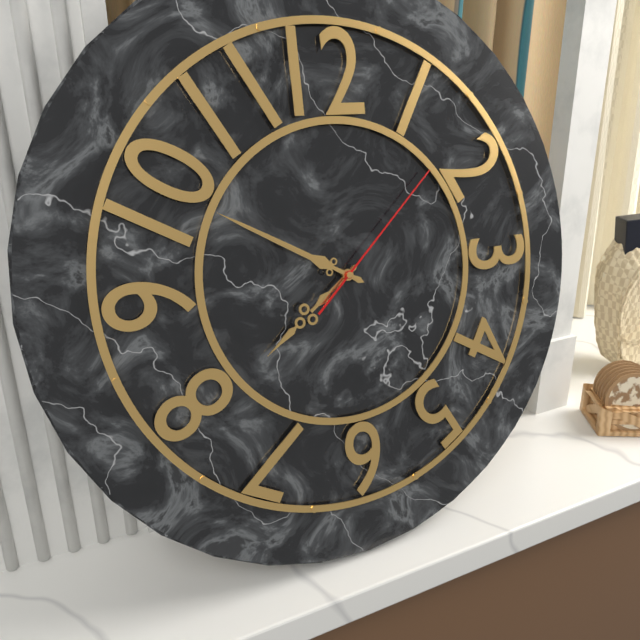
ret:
7,50,08
